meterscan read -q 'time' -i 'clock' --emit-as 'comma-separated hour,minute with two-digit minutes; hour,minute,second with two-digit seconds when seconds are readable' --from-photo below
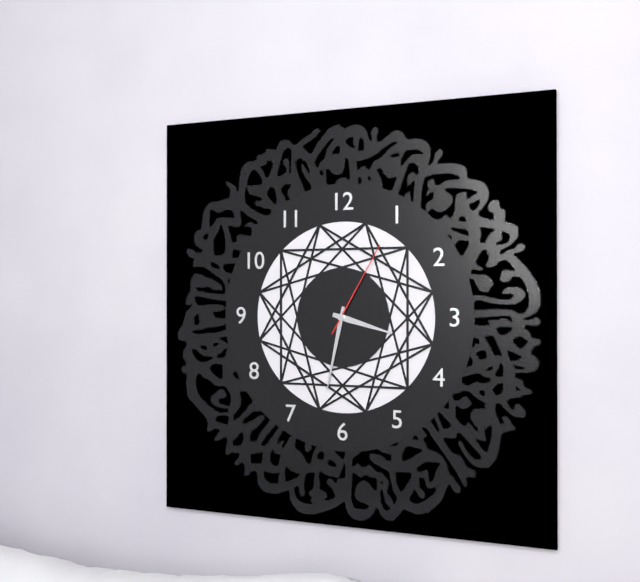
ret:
3,32,05
